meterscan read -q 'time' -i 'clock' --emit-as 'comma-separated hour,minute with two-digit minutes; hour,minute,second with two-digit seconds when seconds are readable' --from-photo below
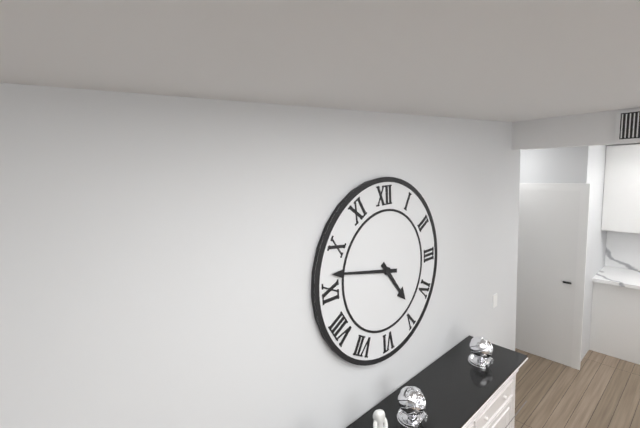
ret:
4,47
